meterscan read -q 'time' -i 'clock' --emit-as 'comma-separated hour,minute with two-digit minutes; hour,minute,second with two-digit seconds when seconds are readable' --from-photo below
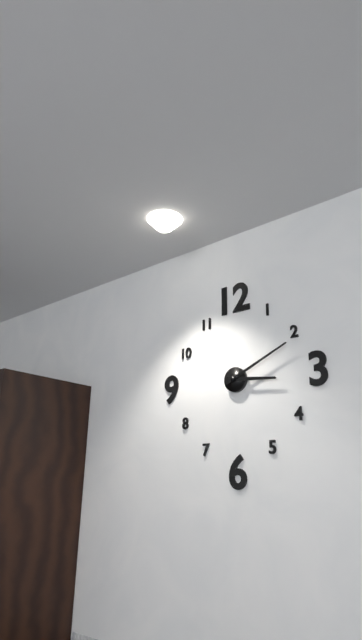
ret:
3,11
